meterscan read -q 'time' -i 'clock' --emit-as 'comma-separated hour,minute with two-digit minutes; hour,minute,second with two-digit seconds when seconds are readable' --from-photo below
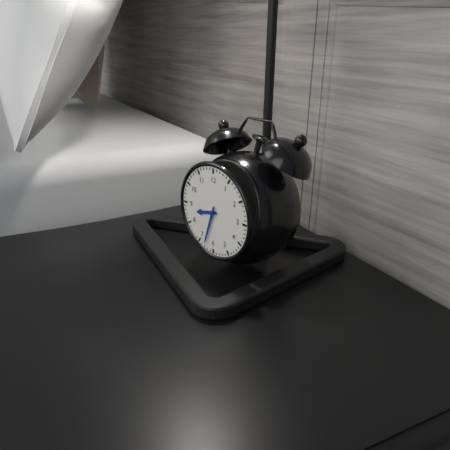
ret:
8,33
